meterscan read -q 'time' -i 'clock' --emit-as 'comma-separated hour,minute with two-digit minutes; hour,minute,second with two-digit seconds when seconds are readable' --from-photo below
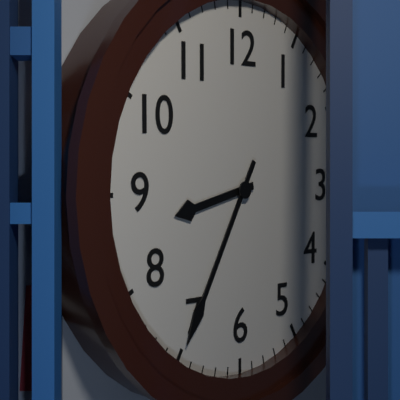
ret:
8,35
